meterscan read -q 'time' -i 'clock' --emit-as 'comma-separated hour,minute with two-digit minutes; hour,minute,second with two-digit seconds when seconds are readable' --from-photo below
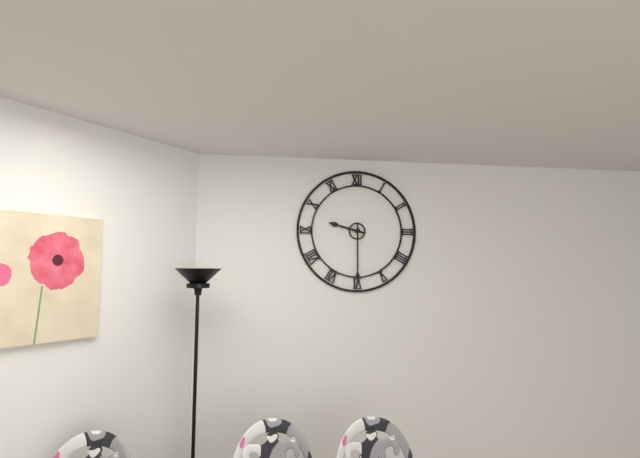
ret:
9,30
